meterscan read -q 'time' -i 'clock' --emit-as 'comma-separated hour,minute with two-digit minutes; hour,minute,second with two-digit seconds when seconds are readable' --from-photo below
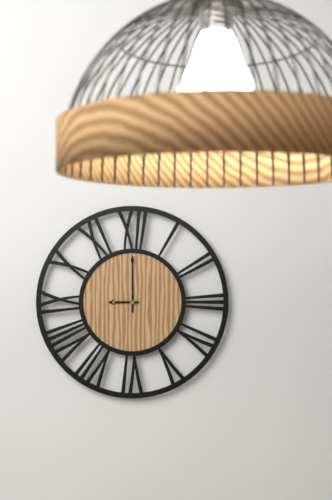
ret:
9,00
